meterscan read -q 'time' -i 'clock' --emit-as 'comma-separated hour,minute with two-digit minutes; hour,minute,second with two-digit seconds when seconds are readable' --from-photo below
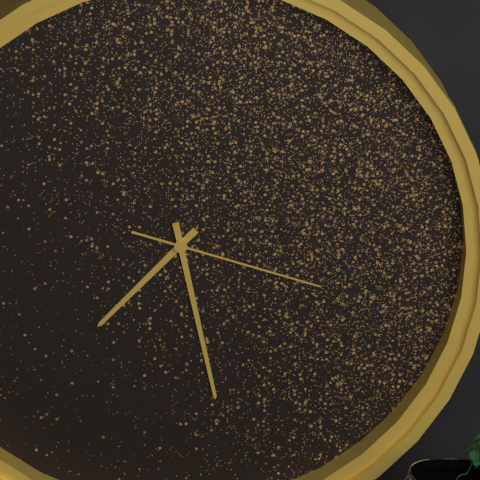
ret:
7,28,18
